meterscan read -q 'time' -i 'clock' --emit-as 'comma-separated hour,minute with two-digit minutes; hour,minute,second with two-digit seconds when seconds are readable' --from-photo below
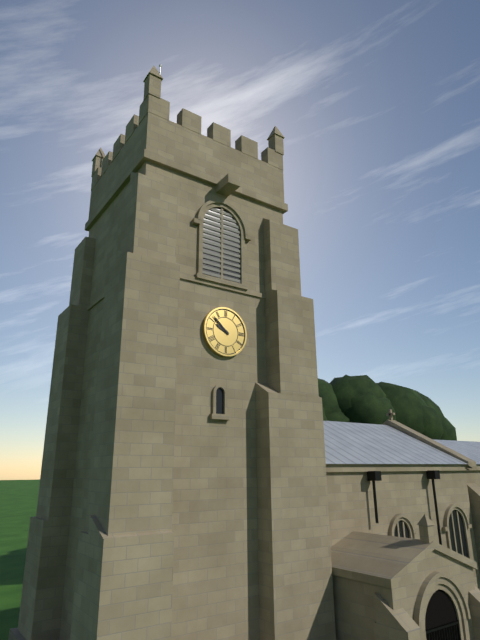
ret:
9,52
